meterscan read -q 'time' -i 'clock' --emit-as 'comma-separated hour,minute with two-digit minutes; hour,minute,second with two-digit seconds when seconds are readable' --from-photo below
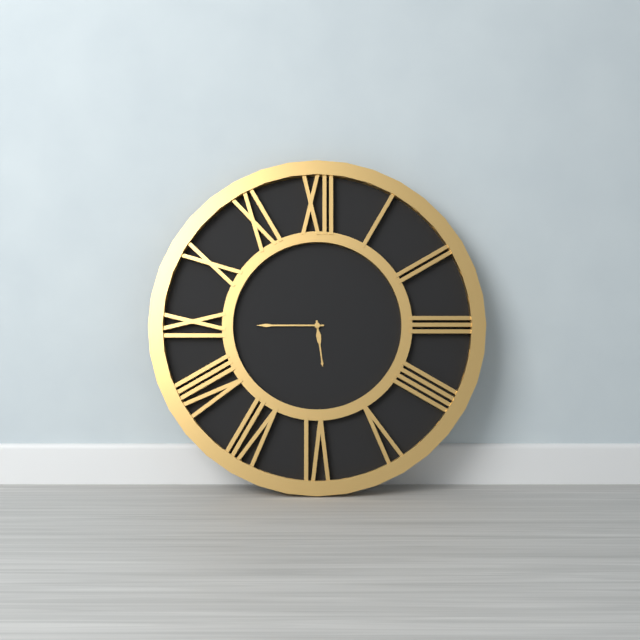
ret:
5,45
